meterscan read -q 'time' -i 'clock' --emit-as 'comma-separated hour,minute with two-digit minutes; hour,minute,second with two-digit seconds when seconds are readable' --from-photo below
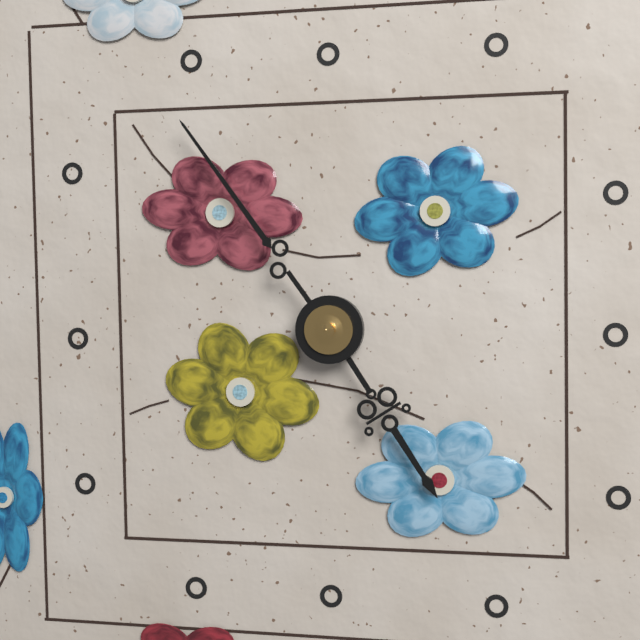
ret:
4,54
